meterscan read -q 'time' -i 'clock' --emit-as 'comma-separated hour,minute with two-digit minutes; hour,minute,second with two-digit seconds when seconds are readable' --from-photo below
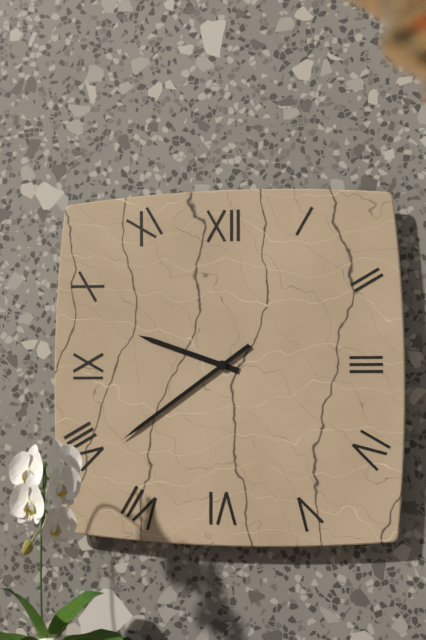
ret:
9,39
